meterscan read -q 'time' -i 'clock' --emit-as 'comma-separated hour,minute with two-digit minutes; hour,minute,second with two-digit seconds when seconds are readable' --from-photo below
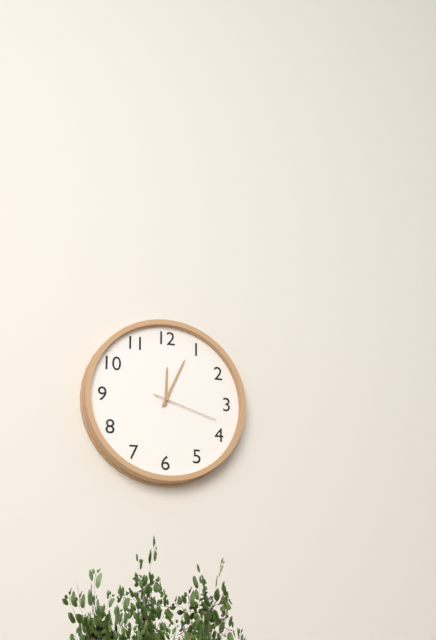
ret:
12,04,18
